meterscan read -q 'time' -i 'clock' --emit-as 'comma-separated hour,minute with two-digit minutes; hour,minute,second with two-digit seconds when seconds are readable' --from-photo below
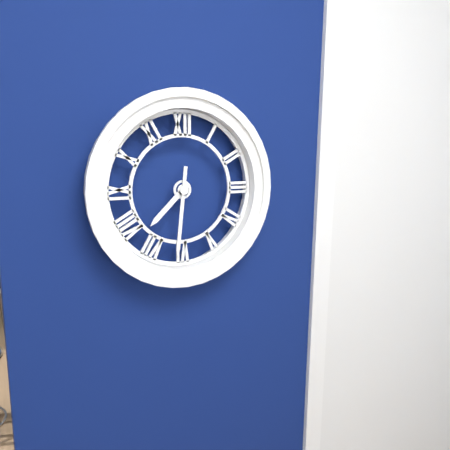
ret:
7,31
